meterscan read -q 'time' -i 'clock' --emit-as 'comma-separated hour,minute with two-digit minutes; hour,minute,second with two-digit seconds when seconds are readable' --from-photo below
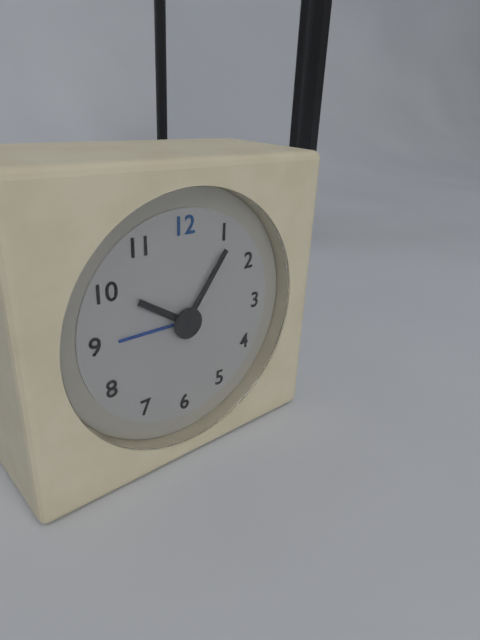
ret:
10,06
